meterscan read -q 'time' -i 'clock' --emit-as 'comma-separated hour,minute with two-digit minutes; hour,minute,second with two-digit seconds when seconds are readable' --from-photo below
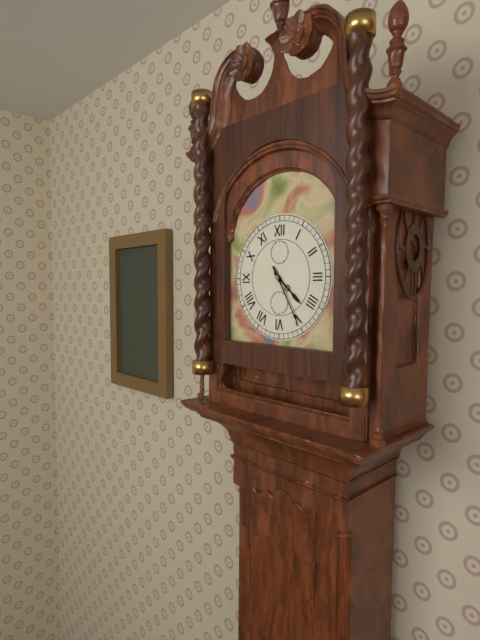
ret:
4,25
